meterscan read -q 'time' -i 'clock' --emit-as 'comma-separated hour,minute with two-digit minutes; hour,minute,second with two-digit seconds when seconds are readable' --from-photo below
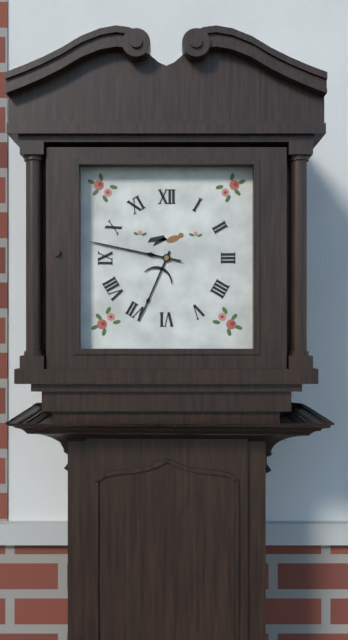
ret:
6,47
